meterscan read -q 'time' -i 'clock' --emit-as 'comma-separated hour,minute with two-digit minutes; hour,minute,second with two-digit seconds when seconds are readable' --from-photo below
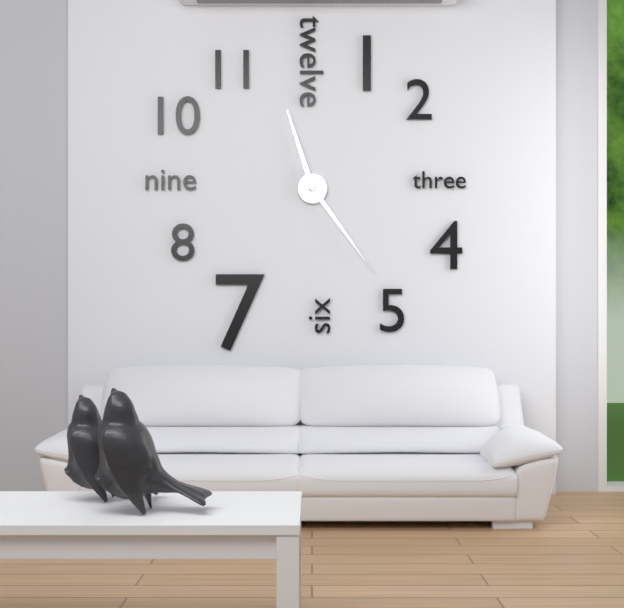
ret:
11,24
